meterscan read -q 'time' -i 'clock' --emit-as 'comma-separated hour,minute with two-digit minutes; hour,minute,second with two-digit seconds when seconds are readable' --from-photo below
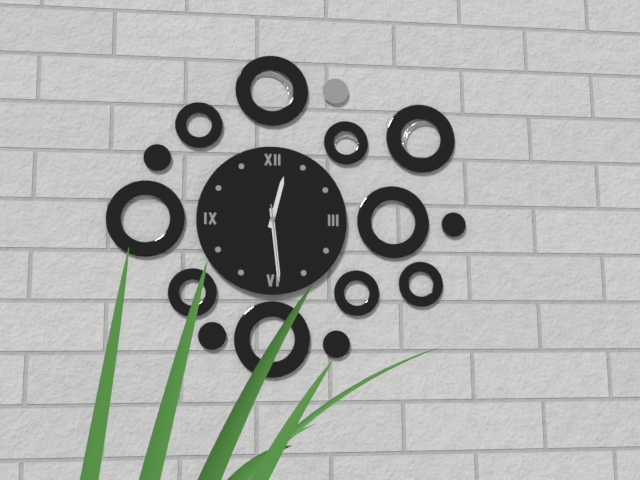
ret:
12,29,29
